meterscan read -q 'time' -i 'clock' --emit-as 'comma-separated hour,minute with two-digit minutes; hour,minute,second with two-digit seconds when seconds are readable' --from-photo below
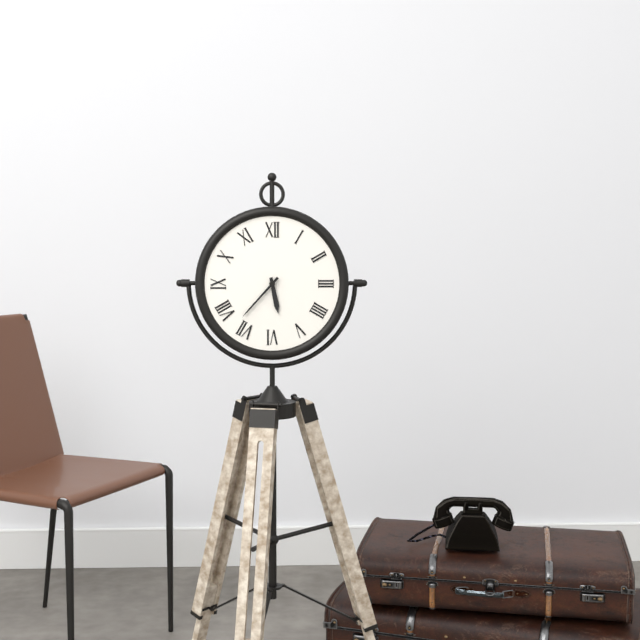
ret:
5,37
